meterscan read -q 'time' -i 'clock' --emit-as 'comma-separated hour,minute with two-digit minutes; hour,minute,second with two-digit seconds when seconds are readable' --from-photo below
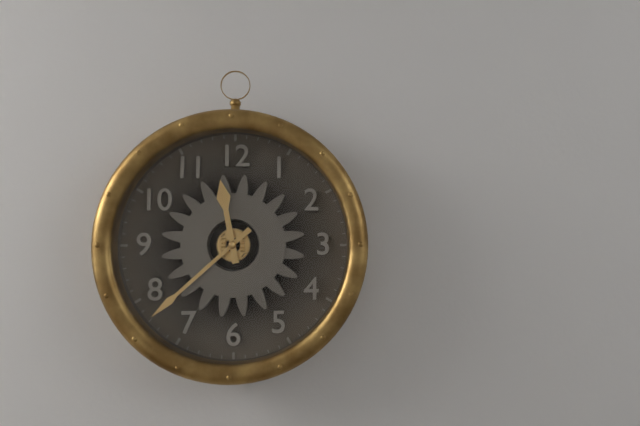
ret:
11,38
